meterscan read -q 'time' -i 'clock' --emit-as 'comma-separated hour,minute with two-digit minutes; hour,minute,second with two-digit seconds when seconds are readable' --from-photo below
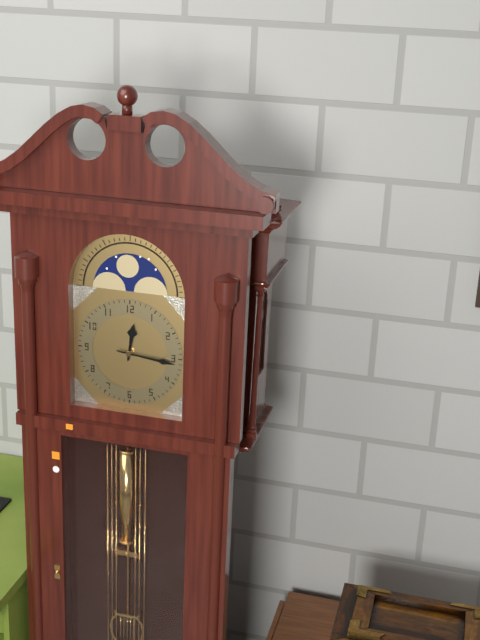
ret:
12,16
